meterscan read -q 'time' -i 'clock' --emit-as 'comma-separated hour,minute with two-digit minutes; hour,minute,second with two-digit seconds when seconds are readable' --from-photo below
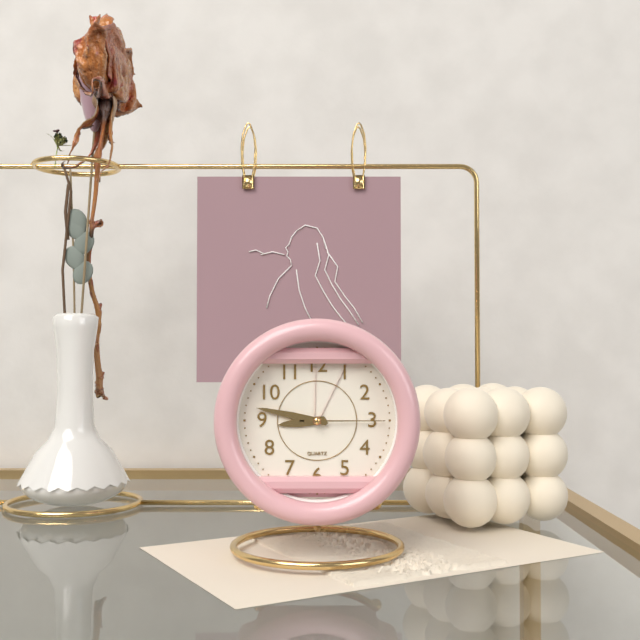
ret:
8,47,15
